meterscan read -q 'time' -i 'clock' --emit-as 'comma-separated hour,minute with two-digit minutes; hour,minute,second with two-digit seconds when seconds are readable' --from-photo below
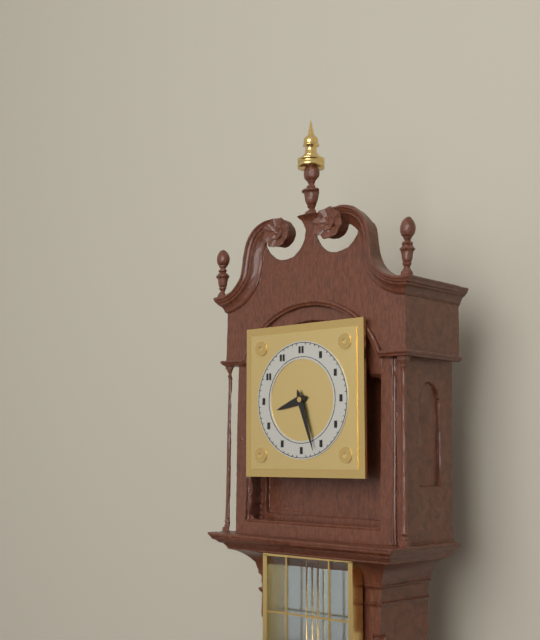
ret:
8,27
